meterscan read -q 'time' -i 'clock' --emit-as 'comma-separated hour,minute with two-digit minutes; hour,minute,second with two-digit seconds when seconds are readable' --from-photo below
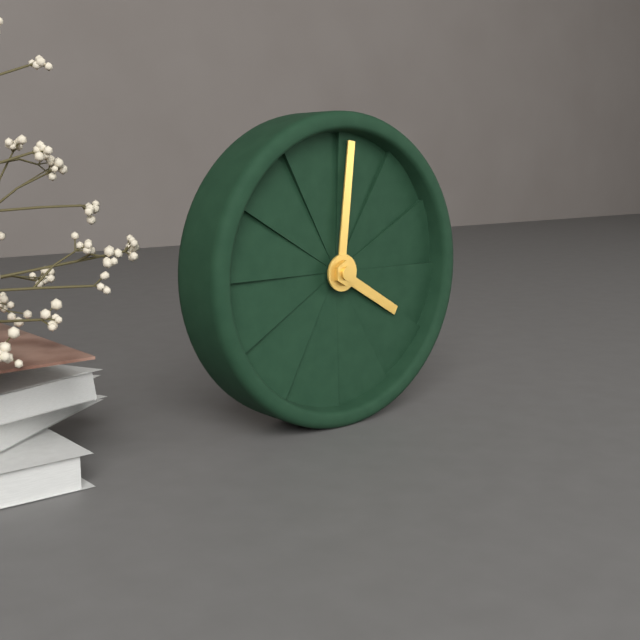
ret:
4,01
